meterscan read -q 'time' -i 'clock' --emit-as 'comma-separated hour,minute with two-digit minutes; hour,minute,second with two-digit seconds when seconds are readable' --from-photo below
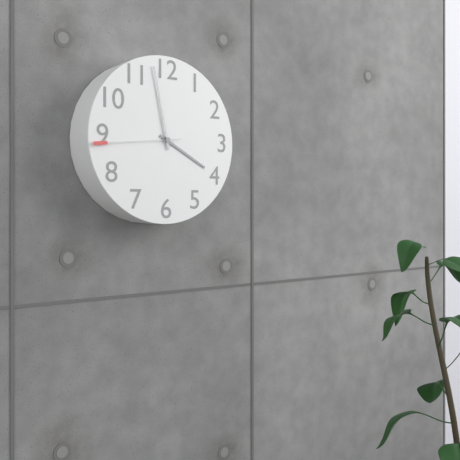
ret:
3,58,44
